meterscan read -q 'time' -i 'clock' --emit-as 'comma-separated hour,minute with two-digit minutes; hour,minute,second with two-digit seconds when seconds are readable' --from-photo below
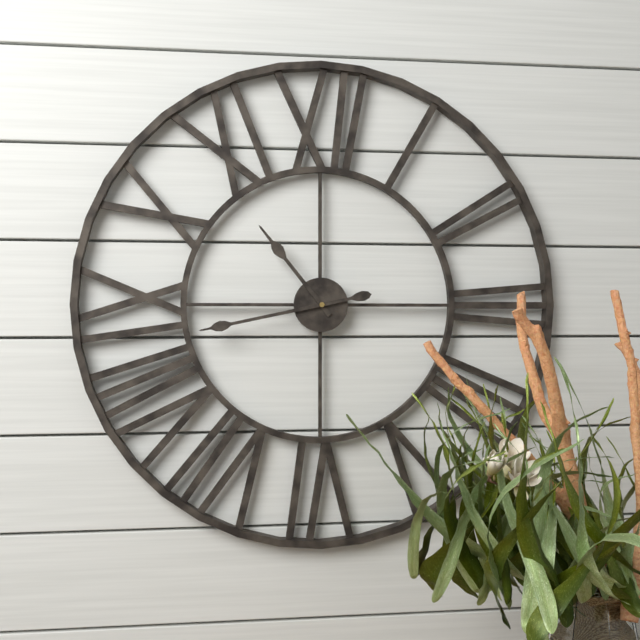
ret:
10,43
